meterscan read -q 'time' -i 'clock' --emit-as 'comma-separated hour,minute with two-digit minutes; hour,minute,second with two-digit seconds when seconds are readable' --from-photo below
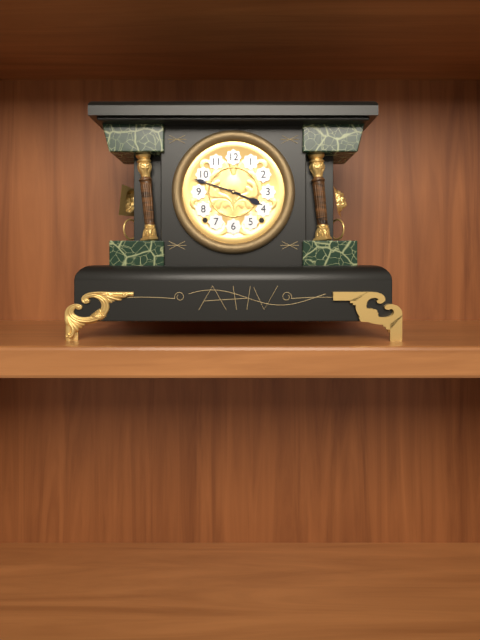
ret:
3,48
